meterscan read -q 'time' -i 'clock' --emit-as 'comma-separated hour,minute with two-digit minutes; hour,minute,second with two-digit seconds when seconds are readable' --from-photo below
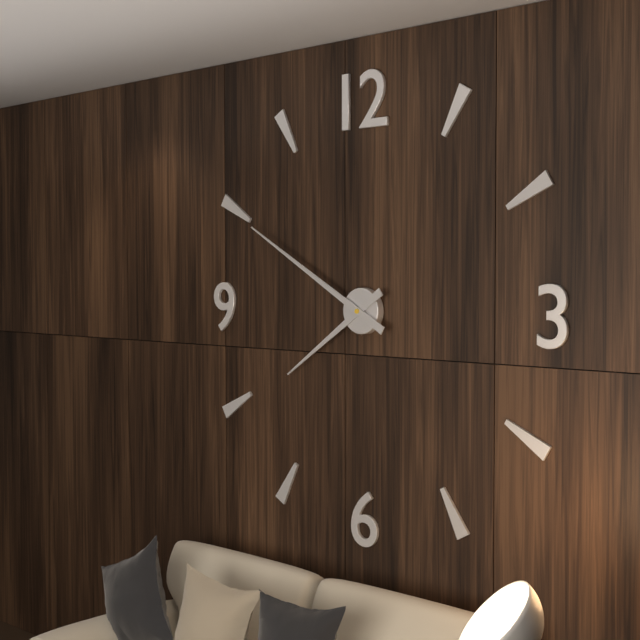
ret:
7,50
